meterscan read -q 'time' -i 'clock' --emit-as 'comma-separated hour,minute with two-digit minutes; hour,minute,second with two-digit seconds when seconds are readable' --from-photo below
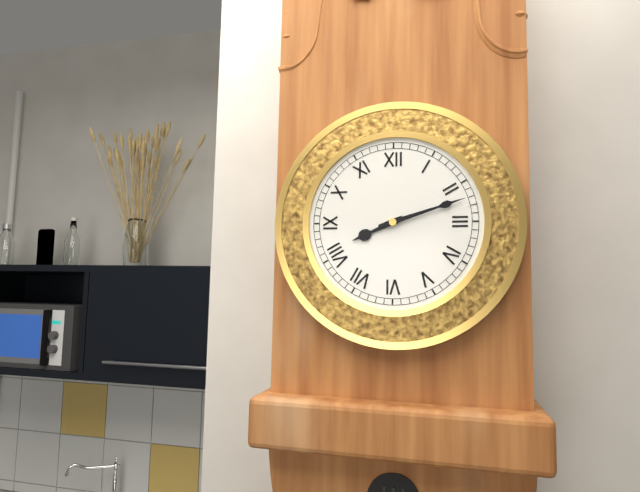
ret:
8,12
